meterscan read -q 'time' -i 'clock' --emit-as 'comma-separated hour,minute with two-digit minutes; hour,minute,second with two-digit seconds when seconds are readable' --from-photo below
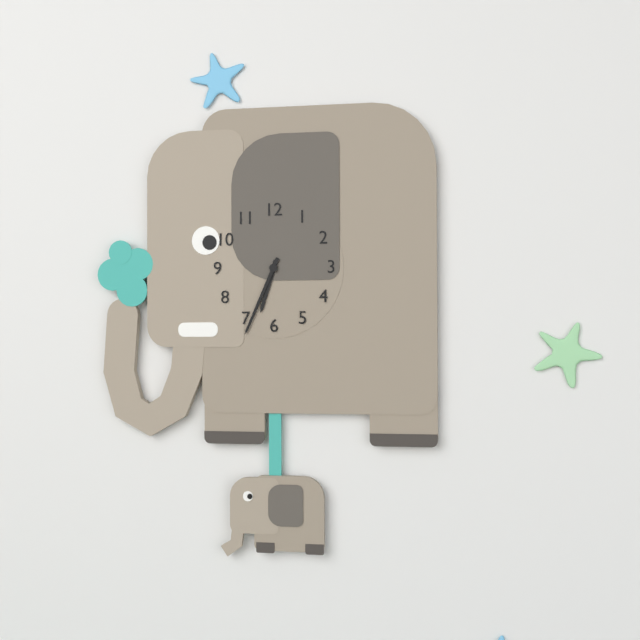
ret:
6,34
